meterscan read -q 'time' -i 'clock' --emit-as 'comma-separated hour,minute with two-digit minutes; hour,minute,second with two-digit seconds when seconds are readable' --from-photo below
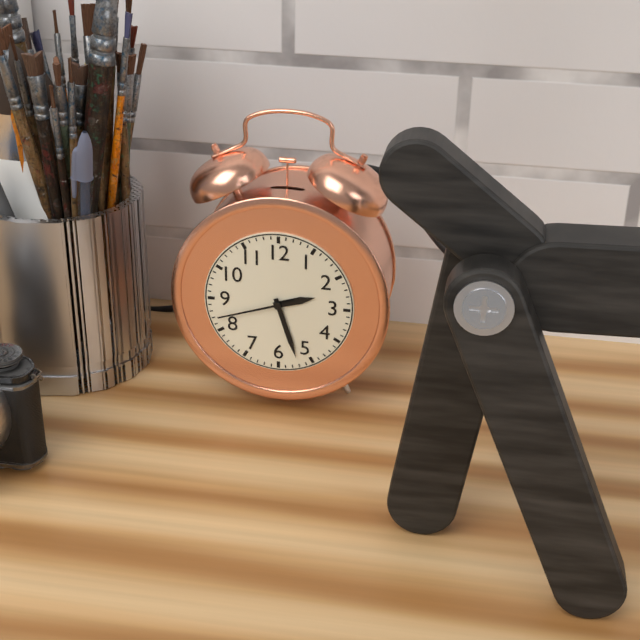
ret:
2,27,42
